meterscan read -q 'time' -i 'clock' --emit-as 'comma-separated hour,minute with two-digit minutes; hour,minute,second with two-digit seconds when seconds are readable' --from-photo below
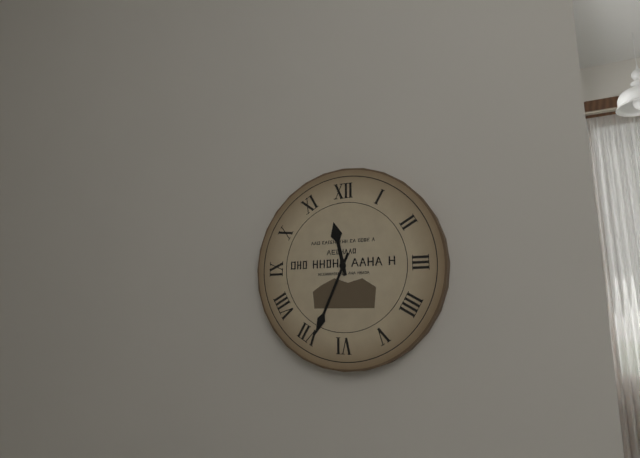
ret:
11,34
